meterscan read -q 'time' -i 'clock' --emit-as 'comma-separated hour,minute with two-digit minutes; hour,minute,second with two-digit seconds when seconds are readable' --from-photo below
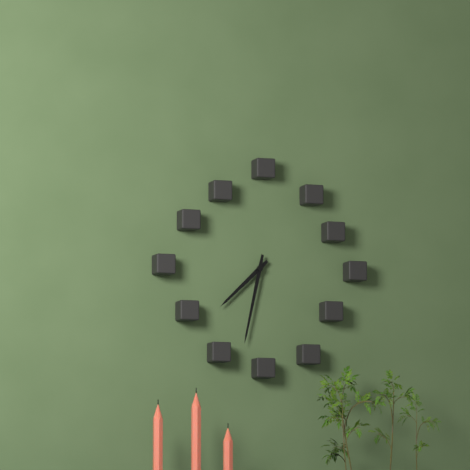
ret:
7,32
